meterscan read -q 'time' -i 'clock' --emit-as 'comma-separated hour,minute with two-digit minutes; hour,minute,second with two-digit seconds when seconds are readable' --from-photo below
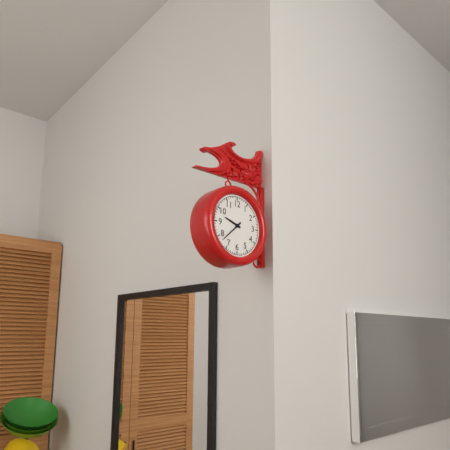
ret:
9,38
